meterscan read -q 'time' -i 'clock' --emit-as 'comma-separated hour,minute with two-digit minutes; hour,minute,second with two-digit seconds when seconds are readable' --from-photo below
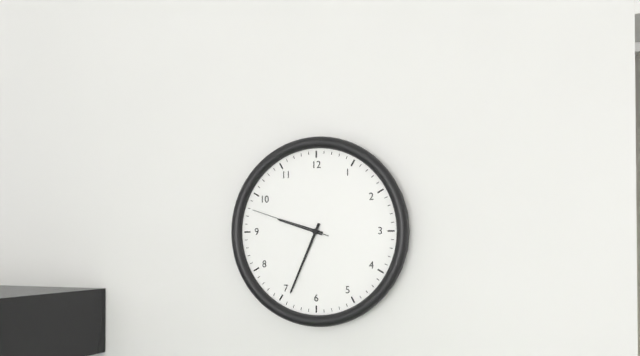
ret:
9,34,48
